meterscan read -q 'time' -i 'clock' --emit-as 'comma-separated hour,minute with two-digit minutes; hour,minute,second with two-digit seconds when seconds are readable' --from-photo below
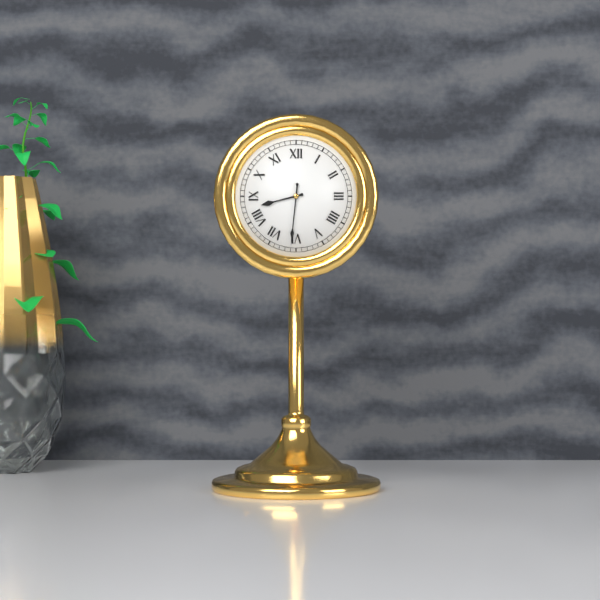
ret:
8,31
